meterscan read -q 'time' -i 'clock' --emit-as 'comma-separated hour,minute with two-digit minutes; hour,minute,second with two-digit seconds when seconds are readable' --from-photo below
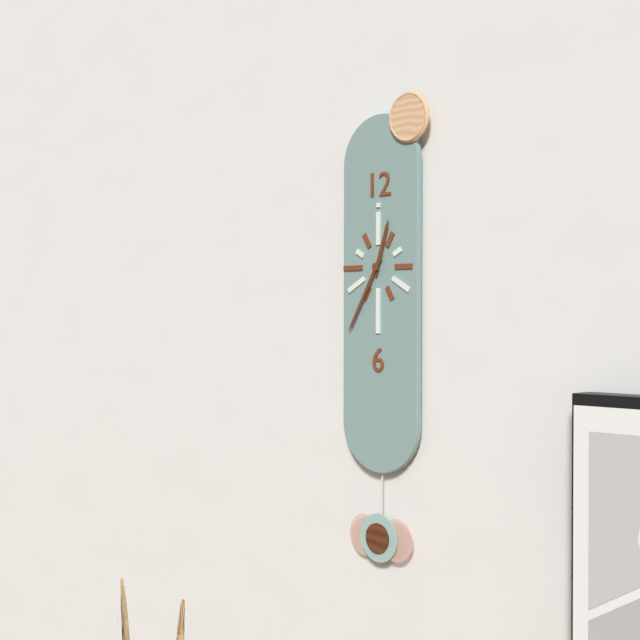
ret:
12,35
